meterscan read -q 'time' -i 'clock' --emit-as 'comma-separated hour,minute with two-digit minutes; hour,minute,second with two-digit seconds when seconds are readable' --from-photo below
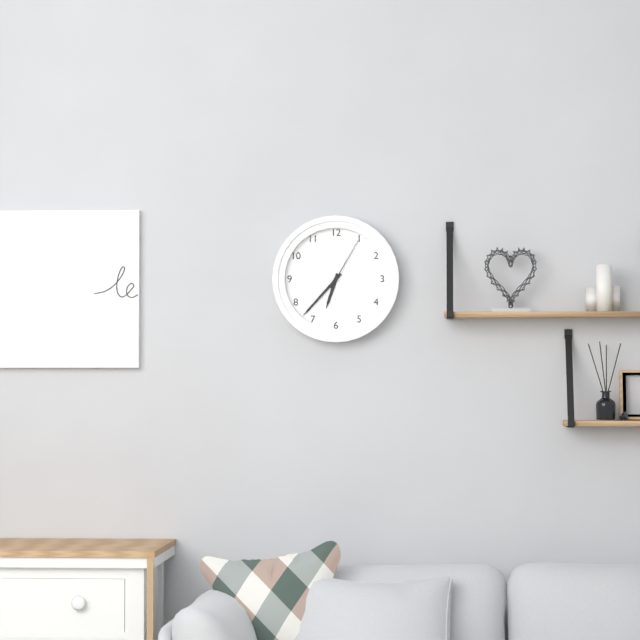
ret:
6,37,05
